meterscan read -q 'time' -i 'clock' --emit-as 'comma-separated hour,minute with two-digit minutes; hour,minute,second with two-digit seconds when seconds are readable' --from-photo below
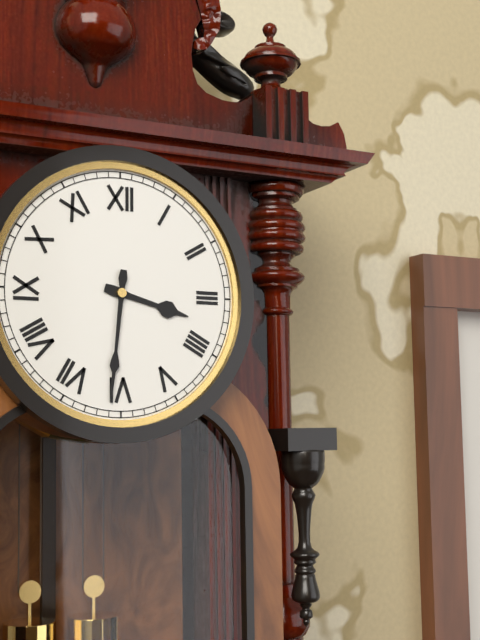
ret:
3,31
